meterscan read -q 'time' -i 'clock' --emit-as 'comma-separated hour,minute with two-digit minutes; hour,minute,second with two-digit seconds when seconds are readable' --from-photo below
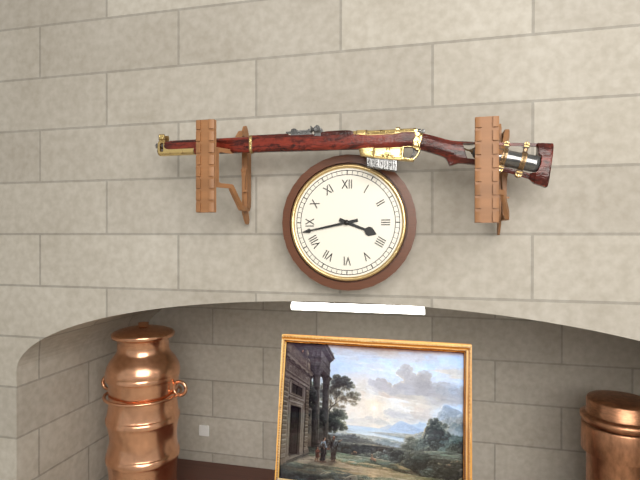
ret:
3,43
